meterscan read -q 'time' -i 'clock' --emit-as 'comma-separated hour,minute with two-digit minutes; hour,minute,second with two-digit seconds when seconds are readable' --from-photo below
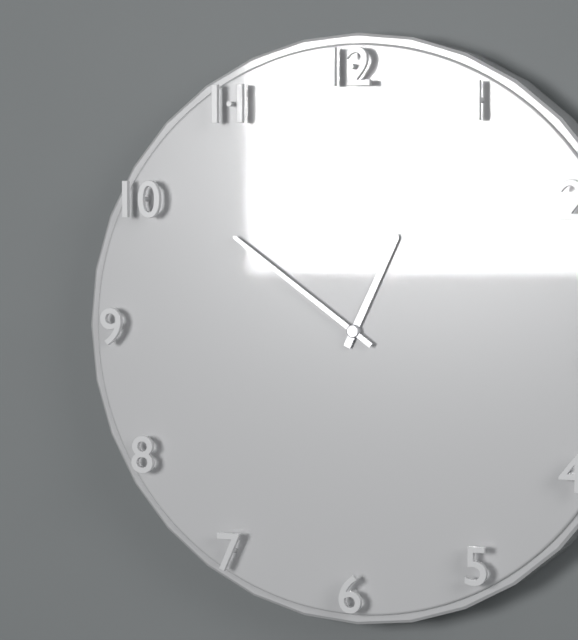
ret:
12,51
